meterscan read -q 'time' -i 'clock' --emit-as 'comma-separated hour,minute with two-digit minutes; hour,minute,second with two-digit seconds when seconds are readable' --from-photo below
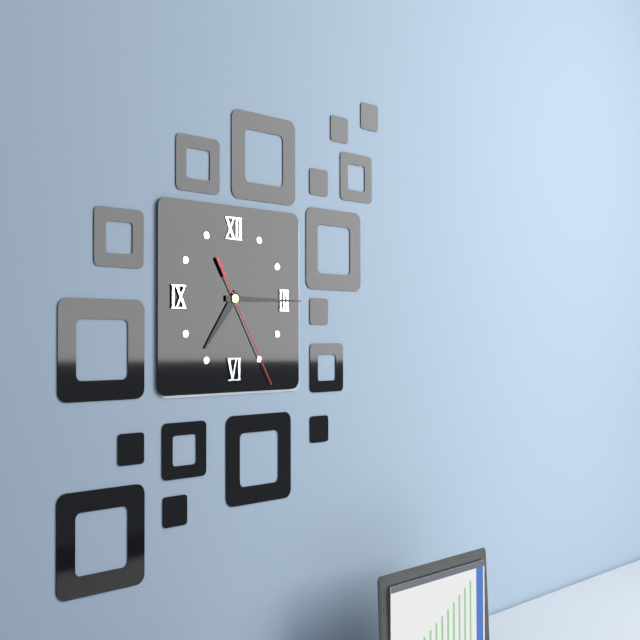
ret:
7,15,25
